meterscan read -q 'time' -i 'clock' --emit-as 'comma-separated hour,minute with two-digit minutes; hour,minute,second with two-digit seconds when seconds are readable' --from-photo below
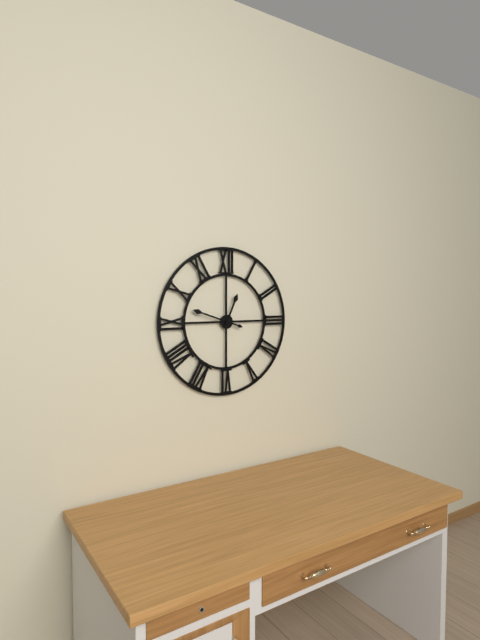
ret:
12,48
